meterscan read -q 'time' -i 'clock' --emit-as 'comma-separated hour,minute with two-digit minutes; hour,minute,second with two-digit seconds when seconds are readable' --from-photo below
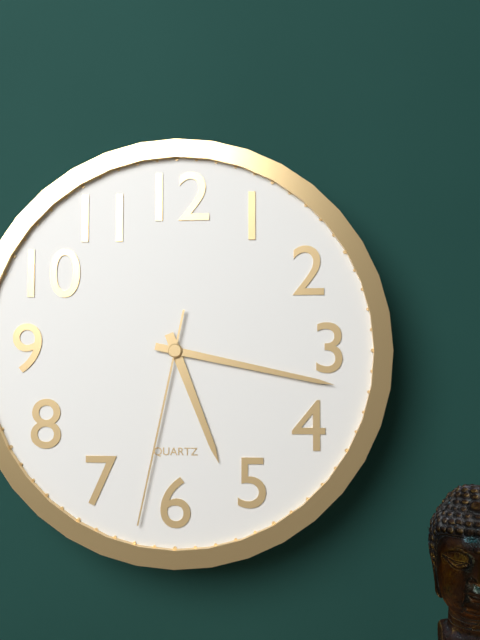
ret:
5,17,32
